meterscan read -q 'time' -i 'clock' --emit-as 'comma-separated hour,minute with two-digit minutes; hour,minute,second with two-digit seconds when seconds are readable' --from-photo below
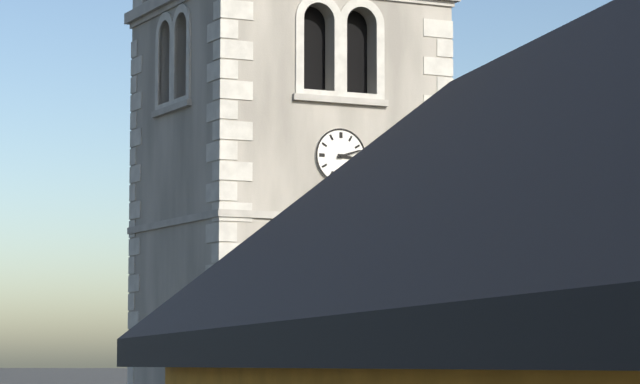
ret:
3,12
